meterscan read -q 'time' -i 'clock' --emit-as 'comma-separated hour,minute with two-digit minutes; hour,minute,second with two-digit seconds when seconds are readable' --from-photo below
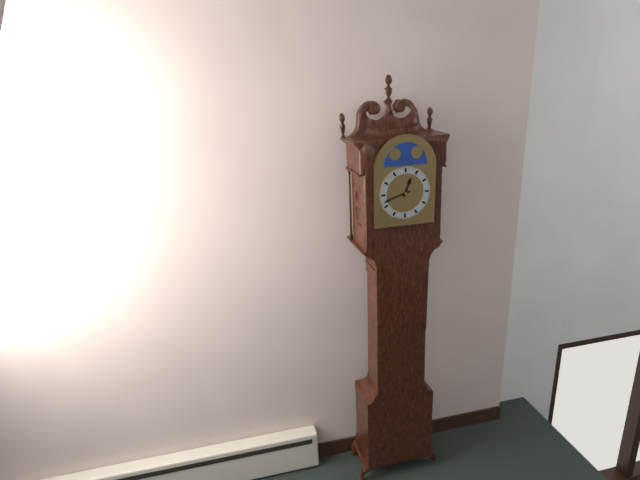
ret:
12,42
